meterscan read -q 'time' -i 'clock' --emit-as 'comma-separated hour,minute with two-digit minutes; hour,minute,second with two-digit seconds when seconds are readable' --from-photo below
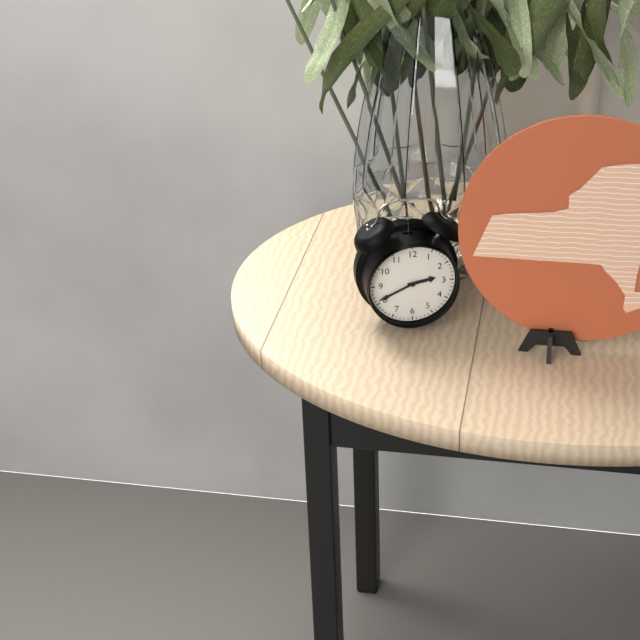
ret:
2,41
